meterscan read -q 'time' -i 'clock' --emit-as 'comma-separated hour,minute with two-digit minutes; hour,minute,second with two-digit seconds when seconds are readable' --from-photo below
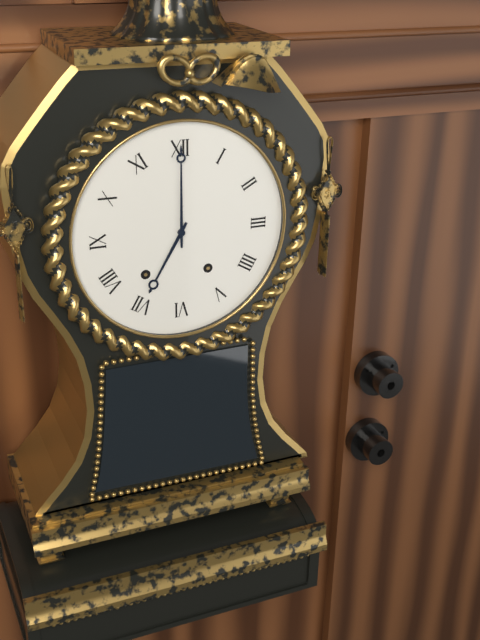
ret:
7,00
